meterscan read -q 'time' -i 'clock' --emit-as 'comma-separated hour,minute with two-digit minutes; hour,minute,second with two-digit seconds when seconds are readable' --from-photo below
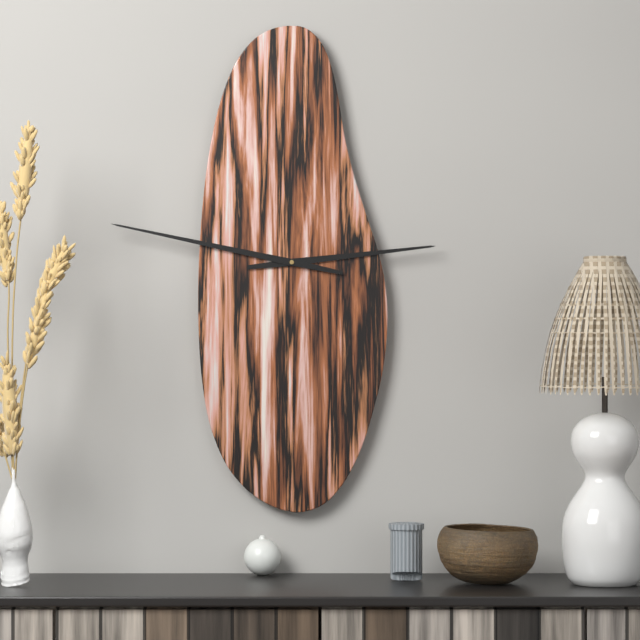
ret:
2,47
